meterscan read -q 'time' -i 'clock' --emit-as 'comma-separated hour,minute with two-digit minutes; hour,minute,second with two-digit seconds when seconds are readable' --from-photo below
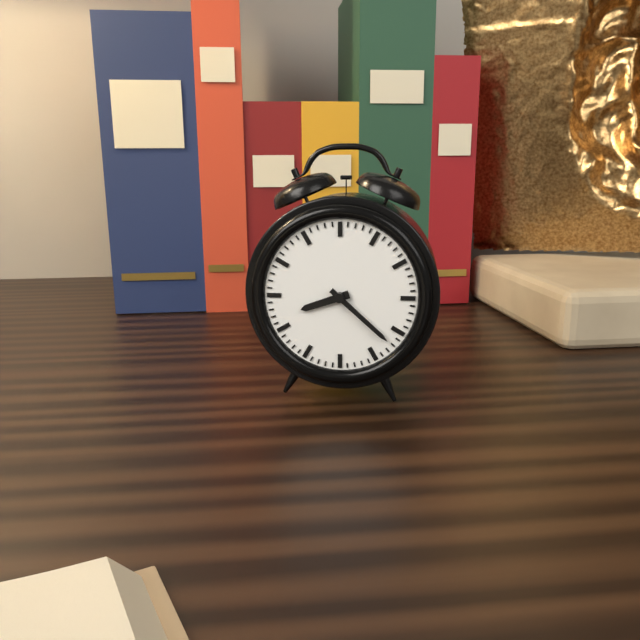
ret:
8,22
